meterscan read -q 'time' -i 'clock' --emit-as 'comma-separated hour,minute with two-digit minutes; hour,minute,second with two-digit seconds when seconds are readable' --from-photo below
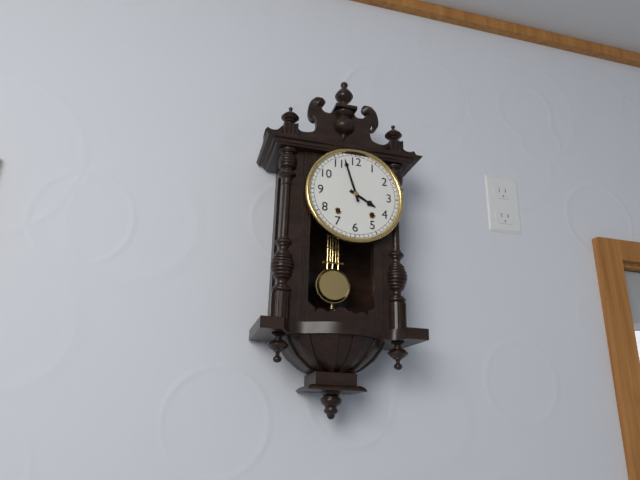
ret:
3,57
